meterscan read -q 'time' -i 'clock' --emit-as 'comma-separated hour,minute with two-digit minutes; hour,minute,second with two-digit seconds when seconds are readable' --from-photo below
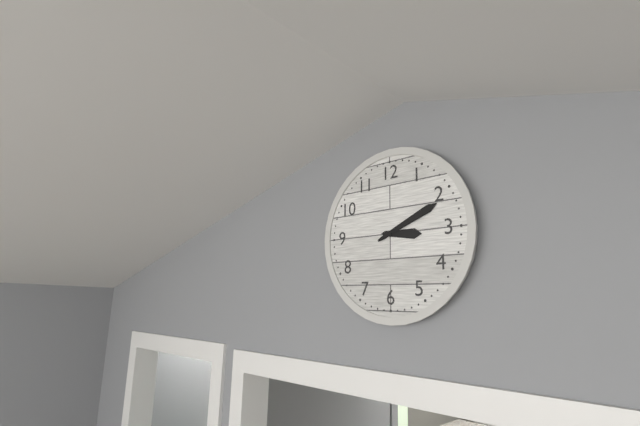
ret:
3,11
